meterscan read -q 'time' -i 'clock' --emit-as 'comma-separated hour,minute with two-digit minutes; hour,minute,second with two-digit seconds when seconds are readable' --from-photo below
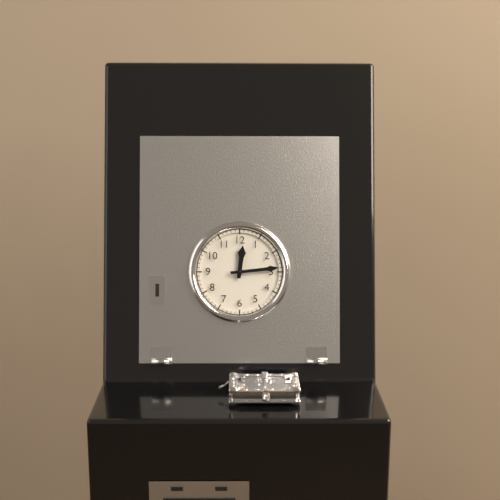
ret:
12,14
